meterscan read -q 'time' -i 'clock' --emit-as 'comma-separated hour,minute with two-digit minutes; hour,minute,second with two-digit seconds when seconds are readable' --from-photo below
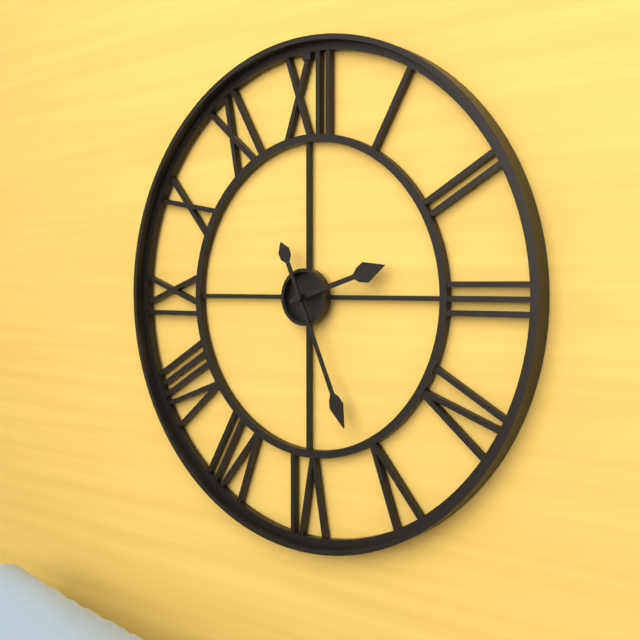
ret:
2,26
